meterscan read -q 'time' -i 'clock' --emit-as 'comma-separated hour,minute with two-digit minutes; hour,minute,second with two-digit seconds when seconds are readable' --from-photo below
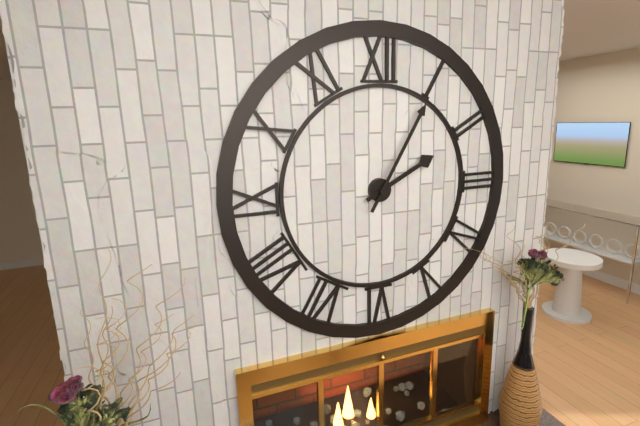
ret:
2,05
